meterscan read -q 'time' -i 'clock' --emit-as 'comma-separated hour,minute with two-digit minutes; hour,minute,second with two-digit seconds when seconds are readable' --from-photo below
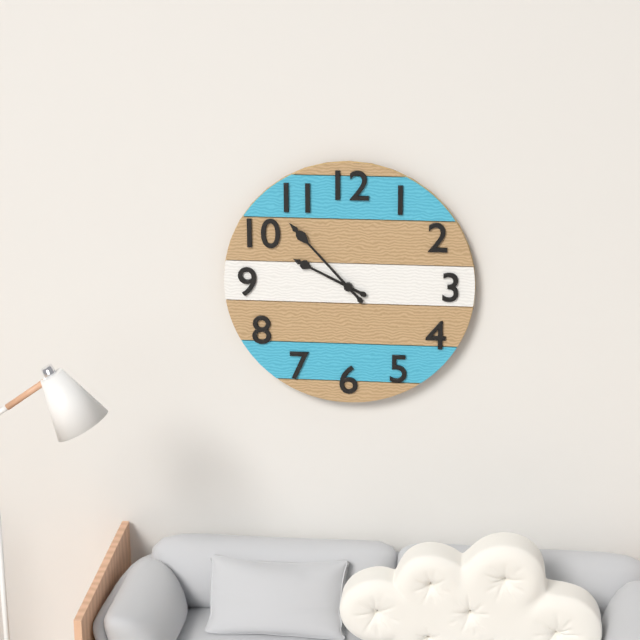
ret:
9,53
